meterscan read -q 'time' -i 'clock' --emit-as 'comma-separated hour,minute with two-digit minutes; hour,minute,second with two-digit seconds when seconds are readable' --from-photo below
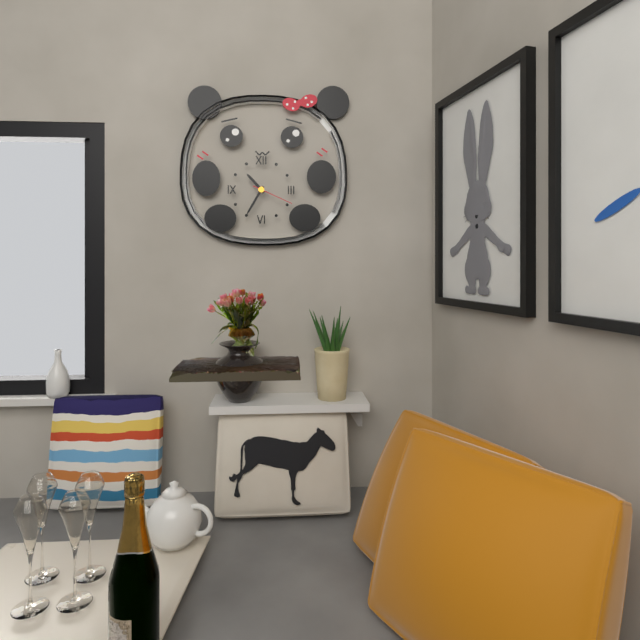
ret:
10,35
